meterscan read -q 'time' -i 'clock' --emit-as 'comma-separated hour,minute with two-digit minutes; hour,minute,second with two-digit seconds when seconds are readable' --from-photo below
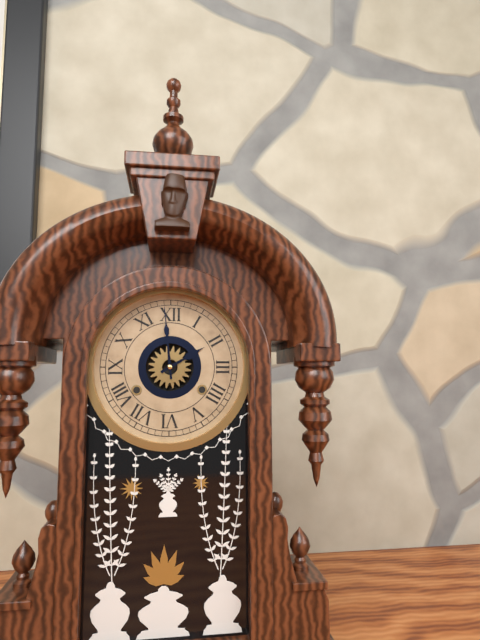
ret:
1,59
